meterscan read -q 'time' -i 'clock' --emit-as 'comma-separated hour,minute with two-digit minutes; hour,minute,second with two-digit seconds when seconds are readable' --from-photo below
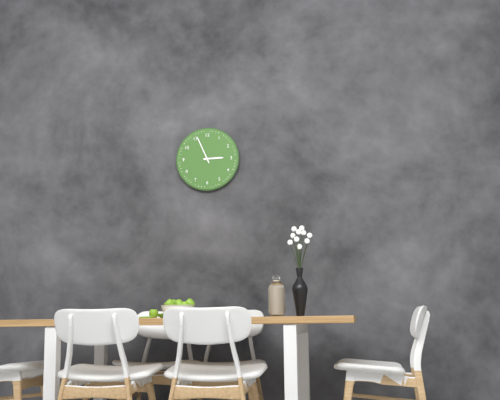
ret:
2,56
